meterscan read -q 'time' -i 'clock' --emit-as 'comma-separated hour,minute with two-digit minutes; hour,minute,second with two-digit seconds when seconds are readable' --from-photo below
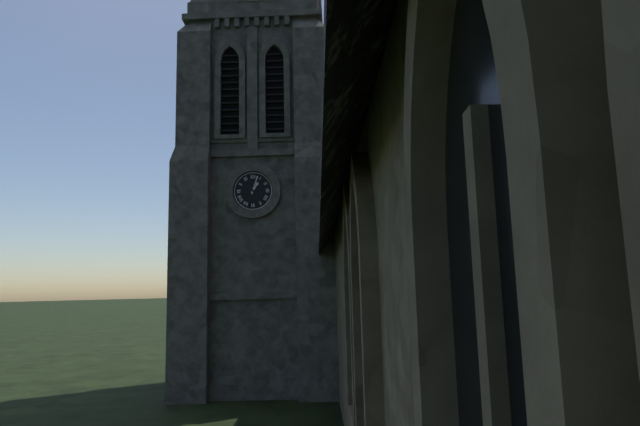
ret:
1,03
